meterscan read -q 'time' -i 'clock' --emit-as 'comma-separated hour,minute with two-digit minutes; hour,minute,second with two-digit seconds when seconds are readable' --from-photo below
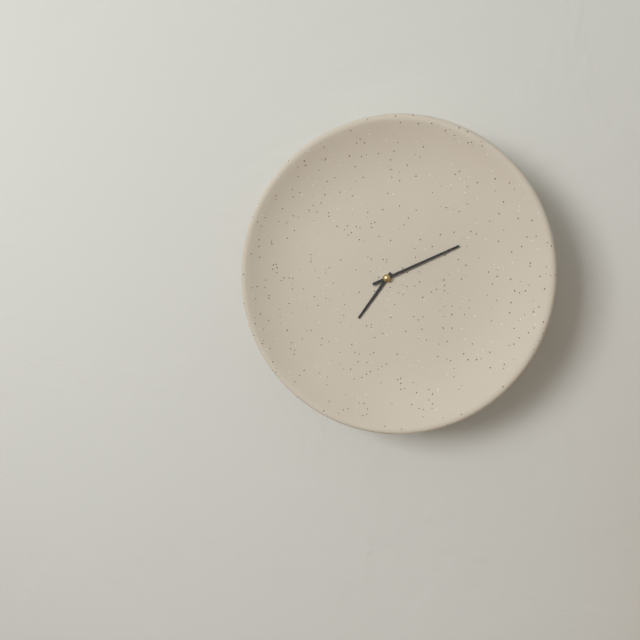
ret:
7,11
